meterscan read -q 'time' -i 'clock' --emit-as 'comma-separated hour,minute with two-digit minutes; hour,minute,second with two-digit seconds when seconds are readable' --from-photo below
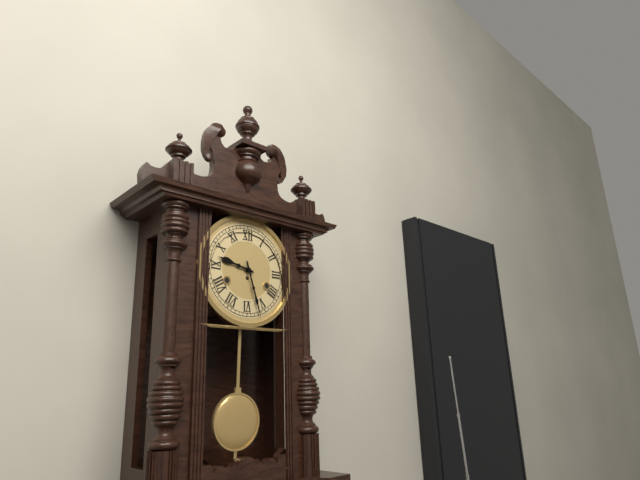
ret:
9,27
